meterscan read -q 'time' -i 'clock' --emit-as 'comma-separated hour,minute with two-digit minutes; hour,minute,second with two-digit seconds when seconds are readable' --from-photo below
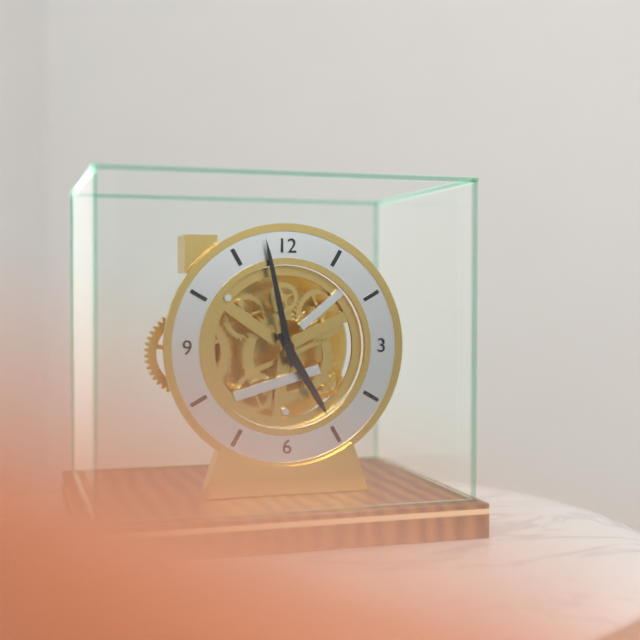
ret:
4,58
